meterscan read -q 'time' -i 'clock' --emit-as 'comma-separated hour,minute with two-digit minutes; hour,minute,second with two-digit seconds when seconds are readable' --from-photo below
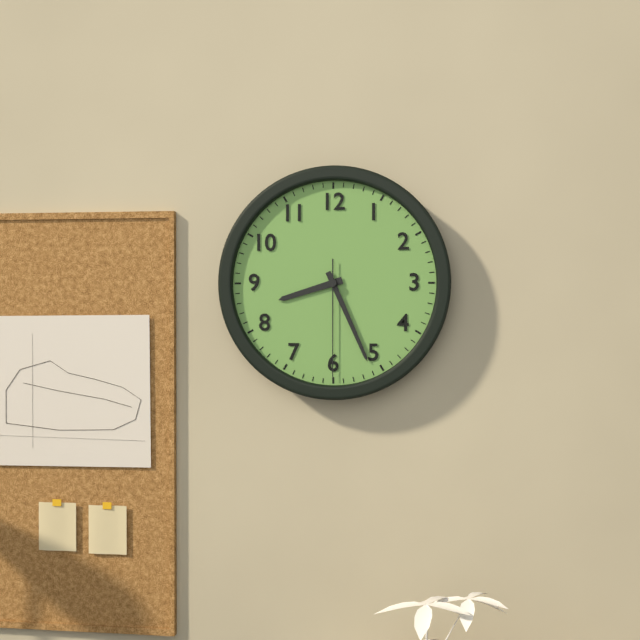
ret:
8,26,30
